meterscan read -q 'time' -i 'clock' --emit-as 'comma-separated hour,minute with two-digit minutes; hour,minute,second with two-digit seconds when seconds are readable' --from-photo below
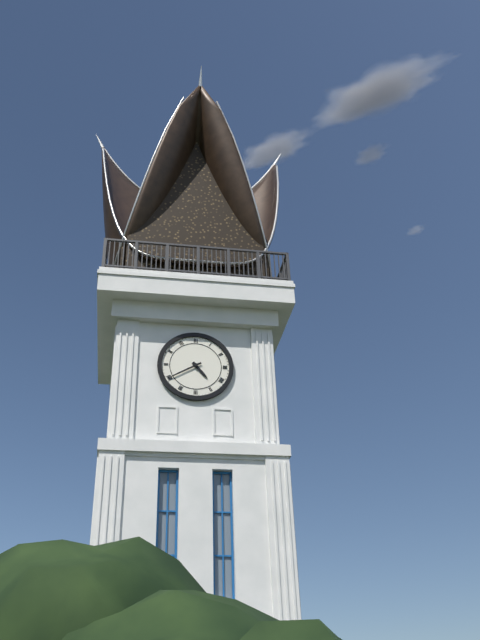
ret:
4,40
